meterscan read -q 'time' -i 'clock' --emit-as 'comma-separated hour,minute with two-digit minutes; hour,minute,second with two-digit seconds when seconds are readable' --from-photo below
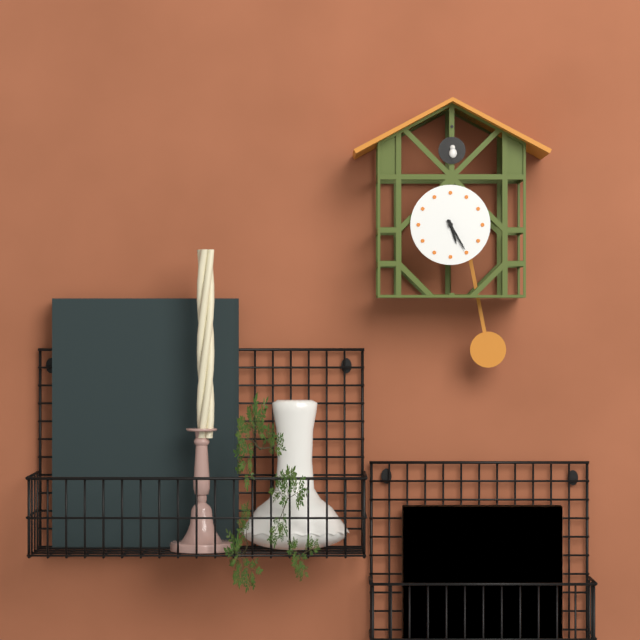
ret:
5,25
